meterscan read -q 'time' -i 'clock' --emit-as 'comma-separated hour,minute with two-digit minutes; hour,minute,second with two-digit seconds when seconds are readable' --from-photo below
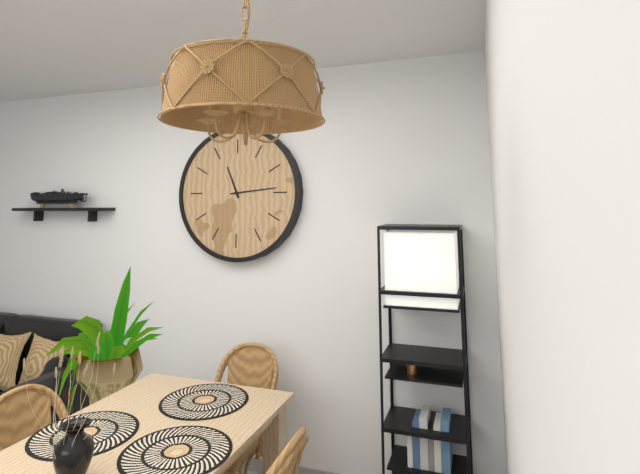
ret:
11,14
